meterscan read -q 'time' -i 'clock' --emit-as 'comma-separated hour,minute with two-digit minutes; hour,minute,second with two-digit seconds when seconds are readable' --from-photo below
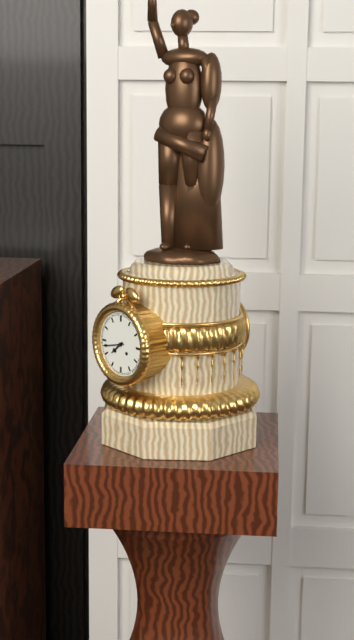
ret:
7,43
